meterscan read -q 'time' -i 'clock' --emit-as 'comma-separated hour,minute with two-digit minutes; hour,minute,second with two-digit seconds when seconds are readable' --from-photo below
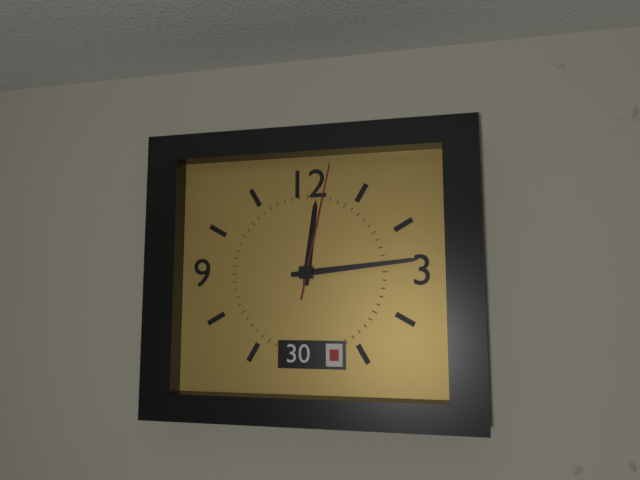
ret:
12,14,02
